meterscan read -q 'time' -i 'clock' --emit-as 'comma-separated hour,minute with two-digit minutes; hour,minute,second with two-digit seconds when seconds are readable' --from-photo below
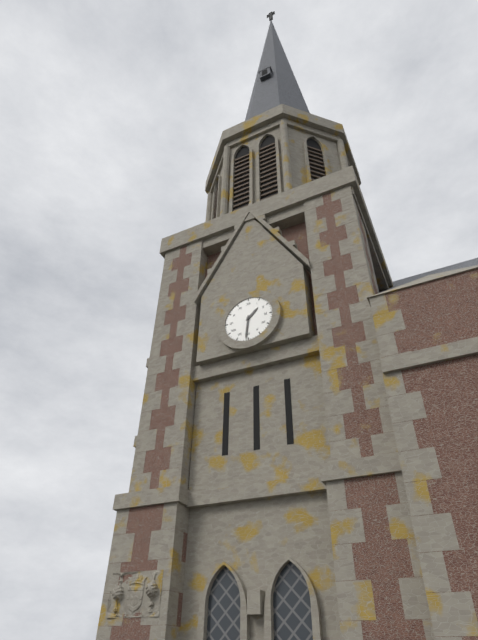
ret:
1,31
